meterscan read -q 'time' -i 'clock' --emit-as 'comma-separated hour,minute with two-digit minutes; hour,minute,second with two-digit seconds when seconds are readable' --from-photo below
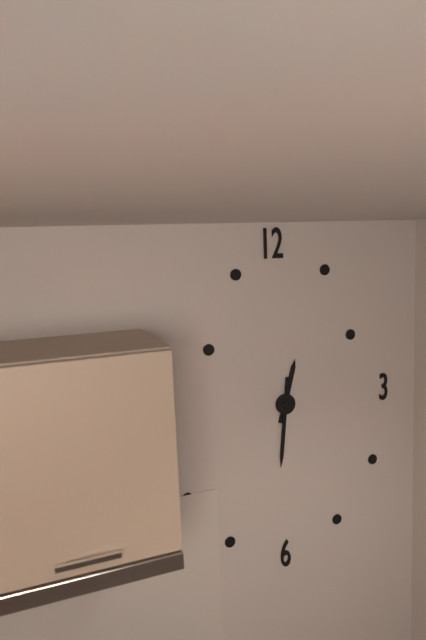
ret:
12,31
